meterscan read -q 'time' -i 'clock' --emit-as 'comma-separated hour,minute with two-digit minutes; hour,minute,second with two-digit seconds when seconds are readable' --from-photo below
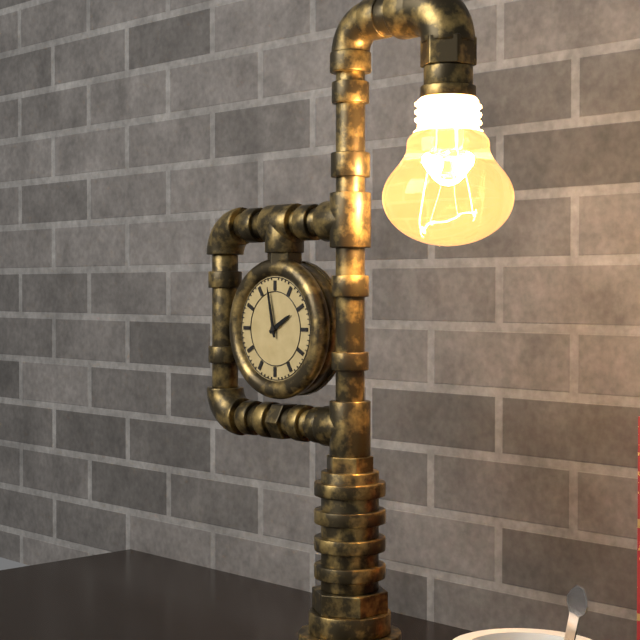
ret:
1,58
